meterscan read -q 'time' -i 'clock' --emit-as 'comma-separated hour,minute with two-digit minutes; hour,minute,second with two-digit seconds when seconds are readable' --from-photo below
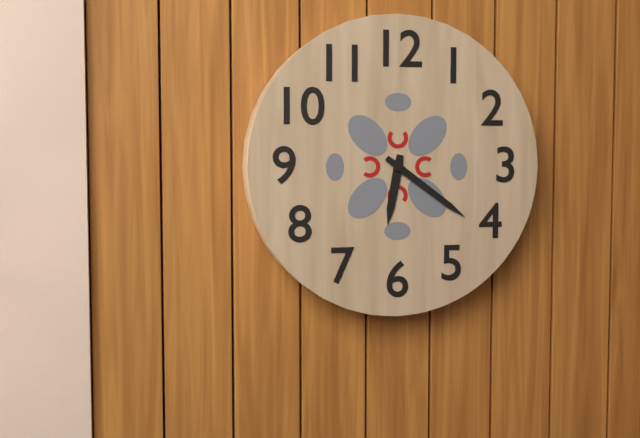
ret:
6,21
